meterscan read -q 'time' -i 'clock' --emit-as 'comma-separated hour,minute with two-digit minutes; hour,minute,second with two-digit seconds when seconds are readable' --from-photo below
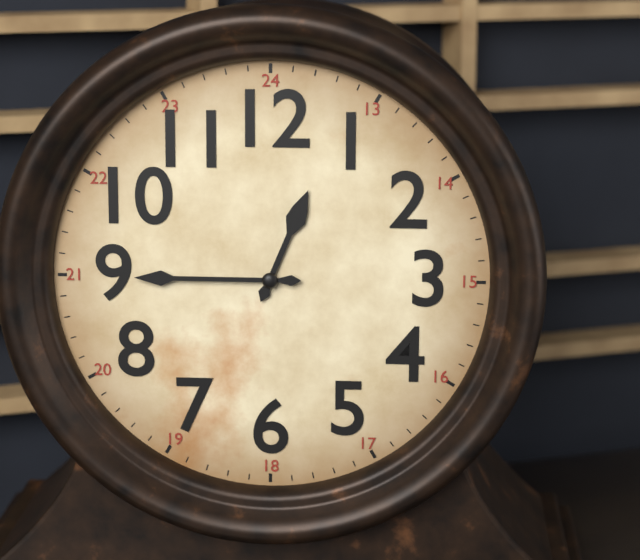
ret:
12,45
